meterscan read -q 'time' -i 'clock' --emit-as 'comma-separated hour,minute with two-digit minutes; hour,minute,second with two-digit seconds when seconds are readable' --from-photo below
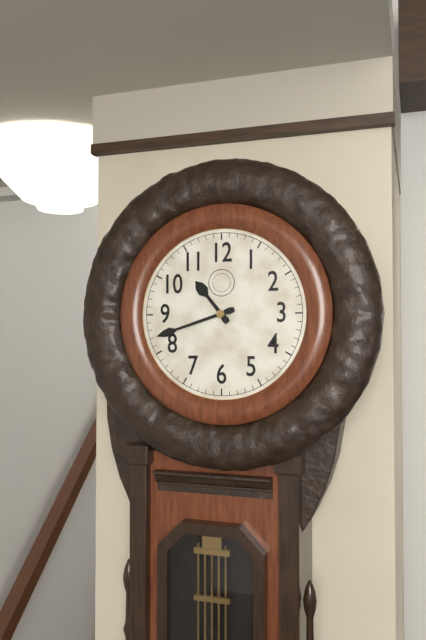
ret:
10,42
